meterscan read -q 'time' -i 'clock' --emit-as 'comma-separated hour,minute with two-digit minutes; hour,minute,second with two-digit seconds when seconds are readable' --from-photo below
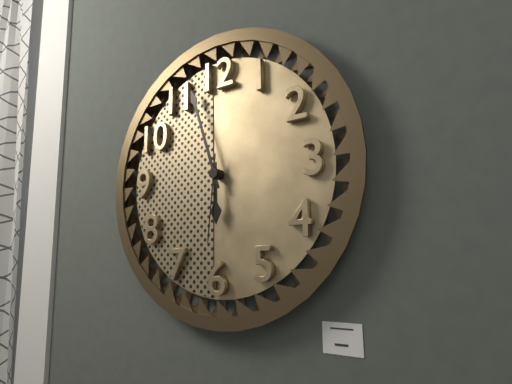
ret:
5,57,31
